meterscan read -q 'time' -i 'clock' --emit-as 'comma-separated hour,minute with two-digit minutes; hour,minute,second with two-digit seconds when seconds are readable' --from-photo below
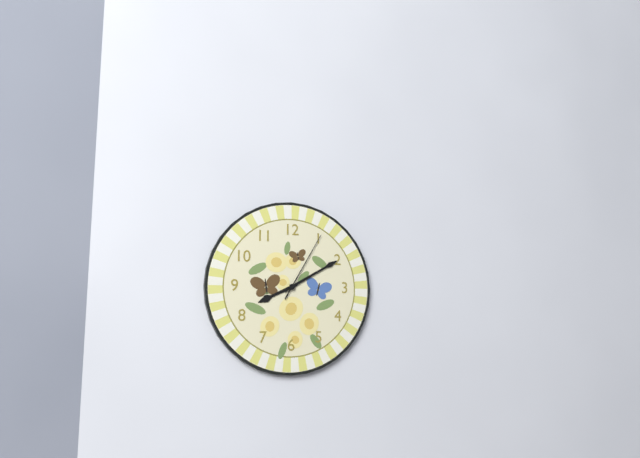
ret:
8,10,05
